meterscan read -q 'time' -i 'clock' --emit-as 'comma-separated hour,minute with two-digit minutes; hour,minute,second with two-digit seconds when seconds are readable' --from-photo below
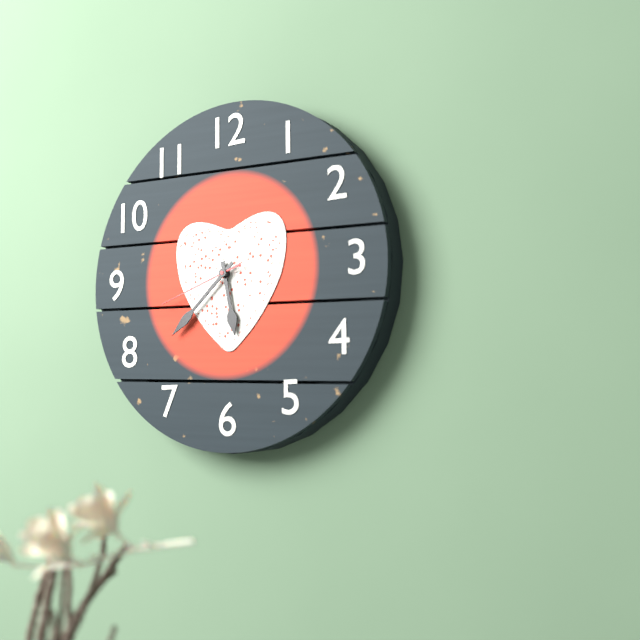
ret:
5,38,42
